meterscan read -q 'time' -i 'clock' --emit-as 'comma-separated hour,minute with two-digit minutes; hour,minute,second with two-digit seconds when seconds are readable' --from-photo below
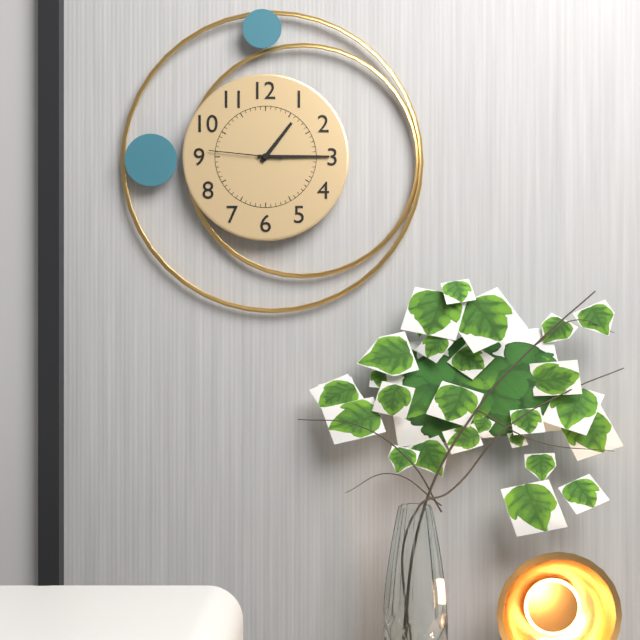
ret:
1,15,46
